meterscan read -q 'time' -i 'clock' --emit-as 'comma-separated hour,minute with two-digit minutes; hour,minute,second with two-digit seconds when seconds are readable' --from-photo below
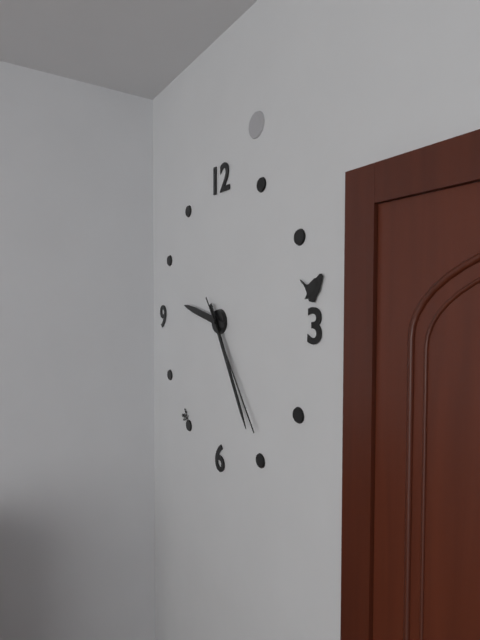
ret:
9,25,24
